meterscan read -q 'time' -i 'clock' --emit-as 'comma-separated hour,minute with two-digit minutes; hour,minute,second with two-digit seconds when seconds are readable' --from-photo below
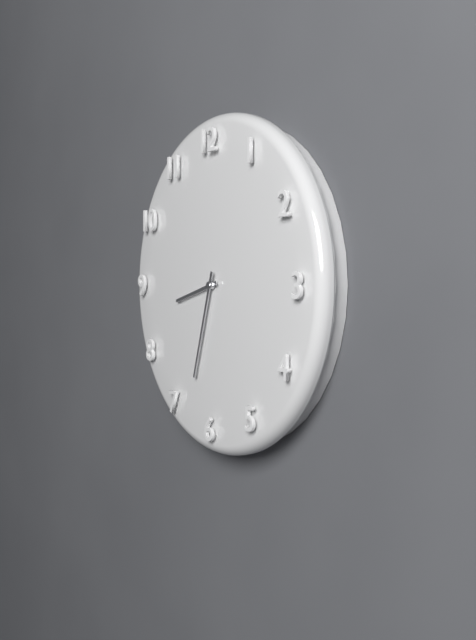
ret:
8,33
